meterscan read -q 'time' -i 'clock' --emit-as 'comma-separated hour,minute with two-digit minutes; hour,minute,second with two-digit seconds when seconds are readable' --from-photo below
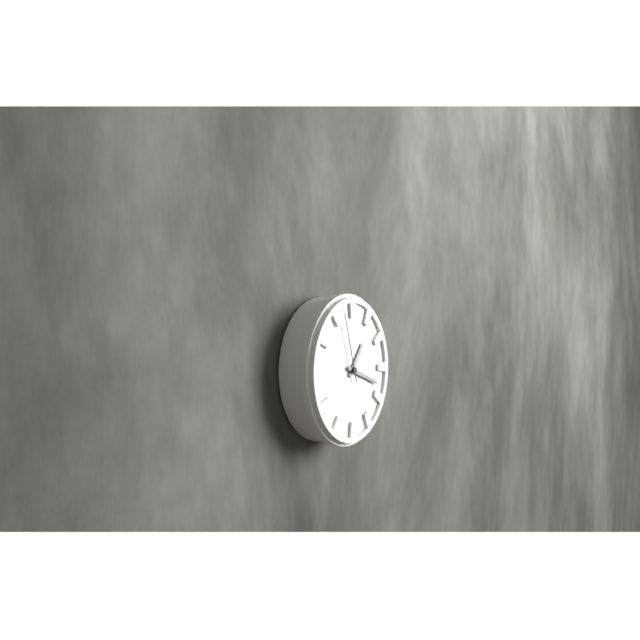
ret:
1,18,57
